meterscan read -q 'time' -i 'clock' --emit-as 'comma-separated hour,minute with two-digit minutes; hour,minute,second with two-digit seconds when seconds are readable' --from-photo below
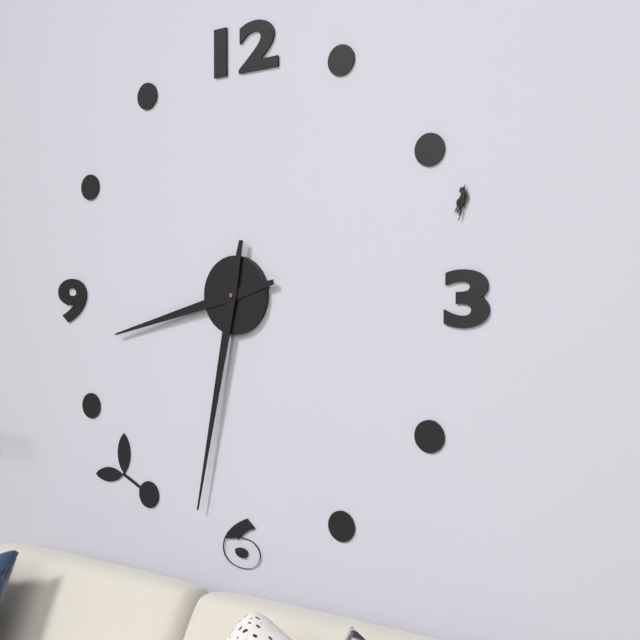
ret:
8,32
